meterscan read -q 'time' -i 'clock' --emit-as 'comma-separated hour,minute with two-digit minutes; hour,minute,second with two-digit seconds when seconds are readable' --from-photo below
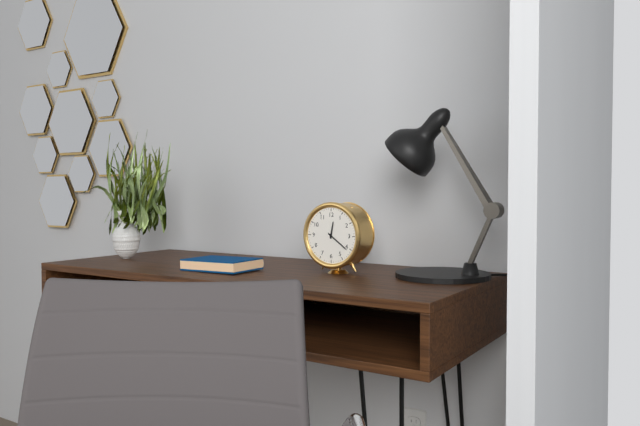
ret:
12,21
